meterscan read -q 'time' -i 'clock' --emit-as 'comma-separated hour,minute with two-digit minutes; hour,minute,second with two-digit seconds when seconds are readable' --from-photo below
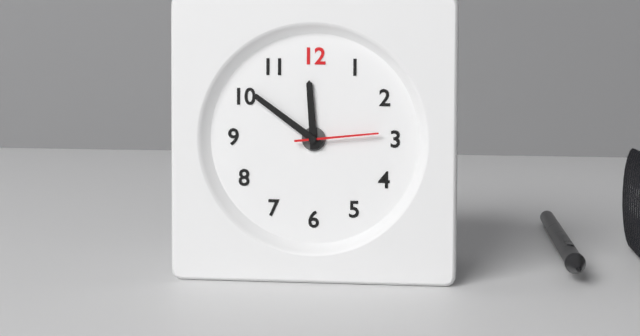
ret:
11,51,14
